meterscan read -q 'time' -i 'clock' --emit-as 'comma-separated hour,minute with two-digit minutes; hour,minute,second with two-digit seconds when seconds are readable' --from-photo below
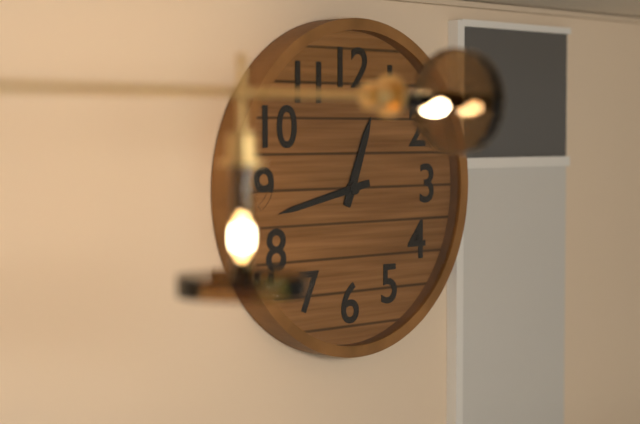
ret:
12,43
